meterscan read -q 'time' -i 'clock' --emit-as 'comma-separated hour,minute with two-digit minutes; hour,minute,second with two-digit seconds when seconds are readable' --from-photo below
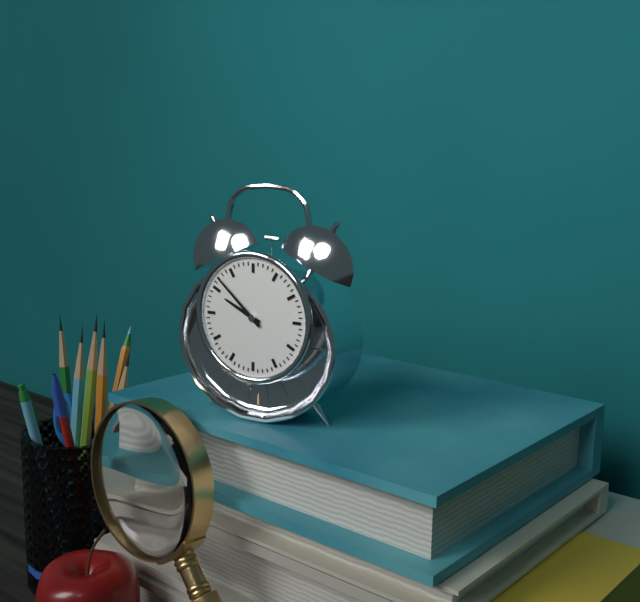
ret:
9,52
